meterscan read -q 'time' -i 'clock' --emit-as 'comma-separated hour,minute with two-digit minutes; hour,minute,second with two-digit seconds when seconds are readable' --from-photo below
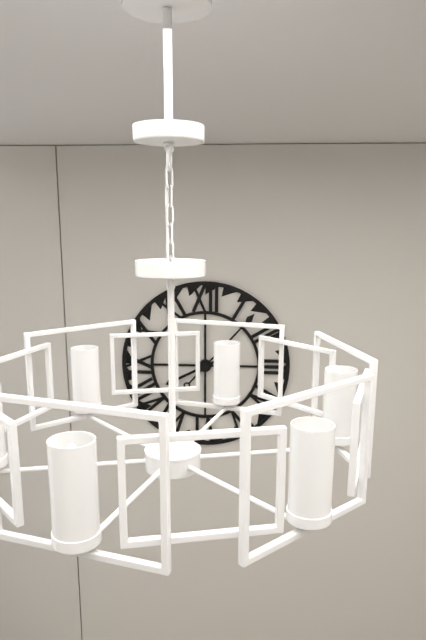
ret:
8,07
